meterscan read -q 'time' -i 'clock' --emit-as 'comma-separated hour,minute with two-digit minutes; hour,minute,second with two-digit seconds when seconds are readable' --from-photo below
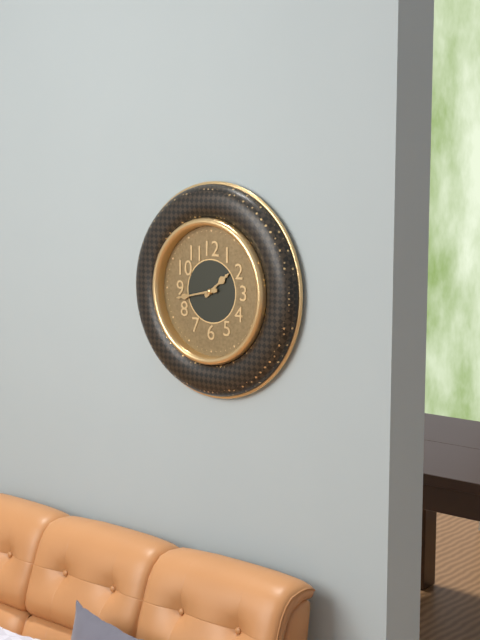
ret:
1,43
